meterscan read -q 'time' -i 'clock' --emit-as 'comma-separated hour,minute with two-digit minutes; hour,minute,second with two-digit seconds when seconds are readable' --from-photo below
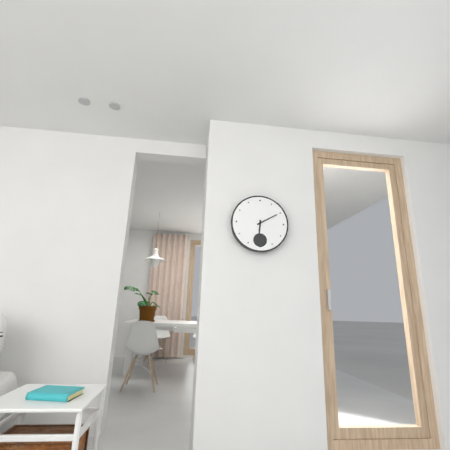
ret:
6,10
